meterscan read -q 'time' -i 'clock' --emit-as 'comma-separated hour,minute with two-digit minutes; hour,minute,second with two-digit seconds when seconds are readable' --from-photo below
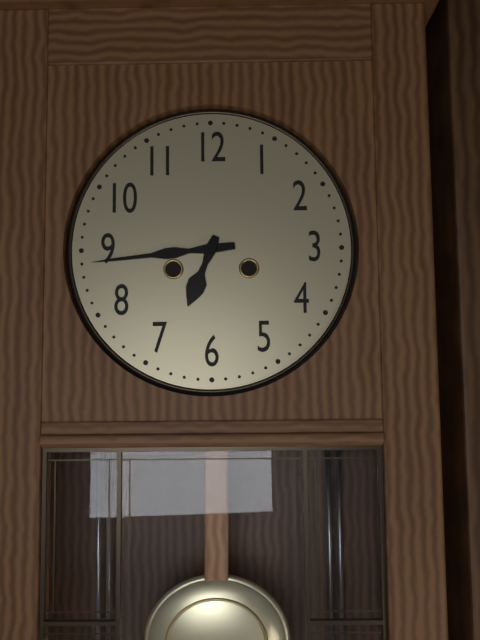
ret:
6,44
